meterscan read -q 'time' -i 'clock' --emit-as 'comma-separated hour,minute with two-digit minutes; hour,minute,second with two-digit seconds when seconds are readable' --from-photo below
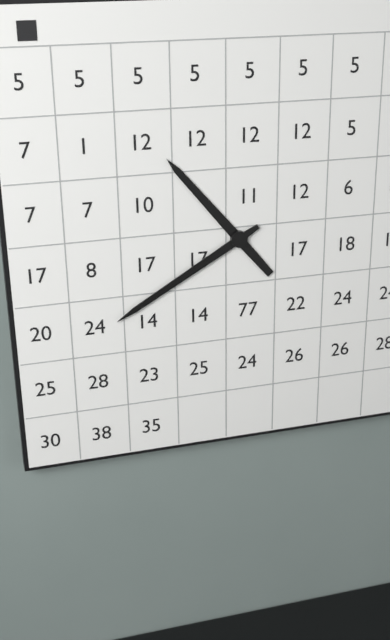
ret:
10,40
